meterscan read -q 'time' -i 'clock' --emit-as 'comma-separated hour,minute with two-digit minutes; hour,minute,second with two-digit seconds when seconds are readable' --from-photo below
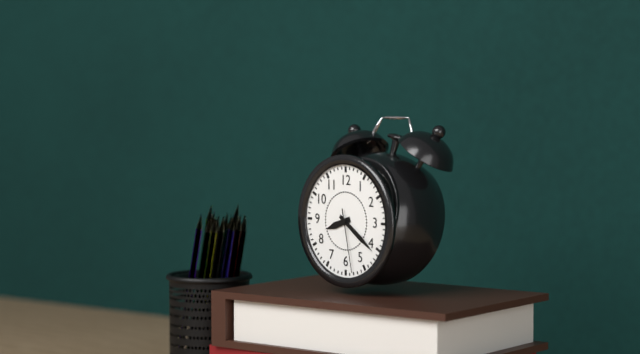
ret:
8,21,28
